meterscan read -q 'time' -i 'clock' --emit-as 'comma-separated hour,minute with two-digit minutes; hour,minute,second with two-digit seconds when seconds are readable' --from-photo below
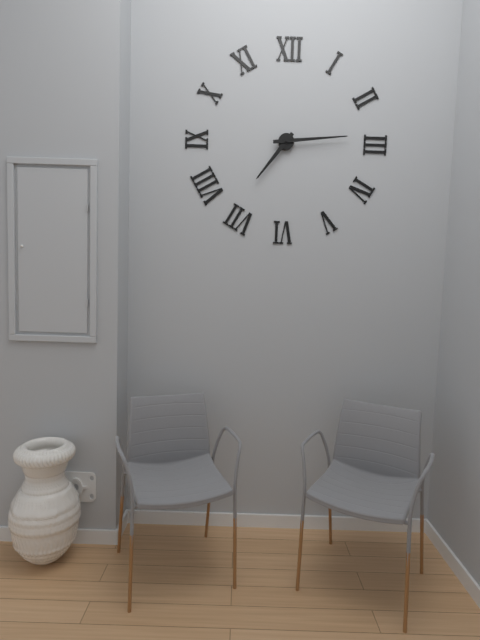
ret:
7,14
